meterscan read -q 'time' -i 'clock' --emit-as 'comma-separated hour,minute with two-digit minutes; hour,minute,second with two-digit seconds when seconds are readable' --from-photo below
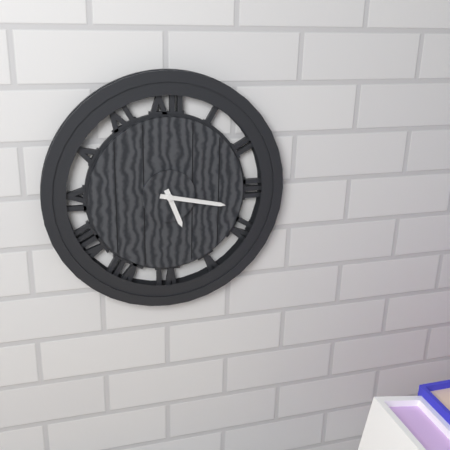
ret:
5,17
